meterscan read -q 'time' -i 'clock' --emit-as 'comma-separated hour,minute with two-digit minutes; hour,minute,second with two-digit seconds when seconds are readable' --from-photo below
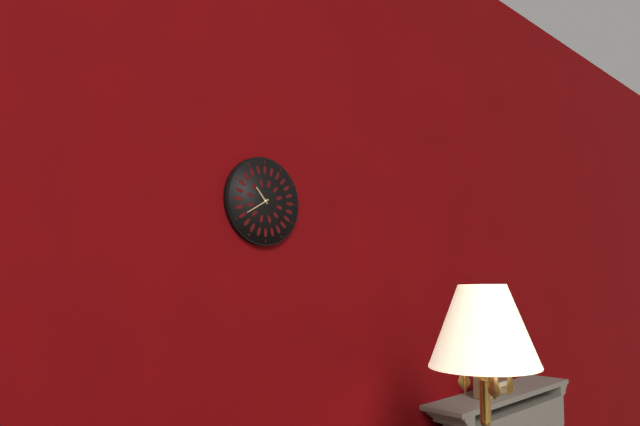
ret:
10,40
